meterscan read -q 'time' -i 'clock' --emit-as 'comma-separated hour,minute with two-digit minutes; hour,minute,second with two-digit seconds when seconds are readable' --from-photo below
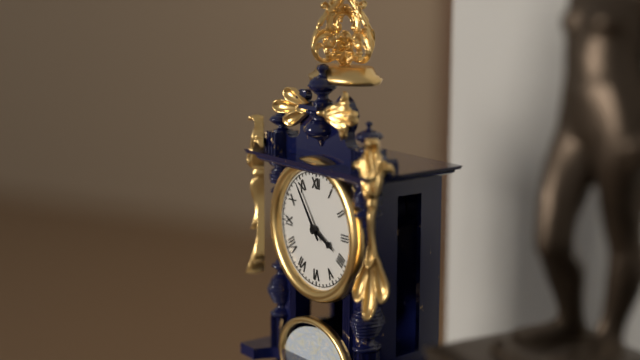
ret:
3,54
